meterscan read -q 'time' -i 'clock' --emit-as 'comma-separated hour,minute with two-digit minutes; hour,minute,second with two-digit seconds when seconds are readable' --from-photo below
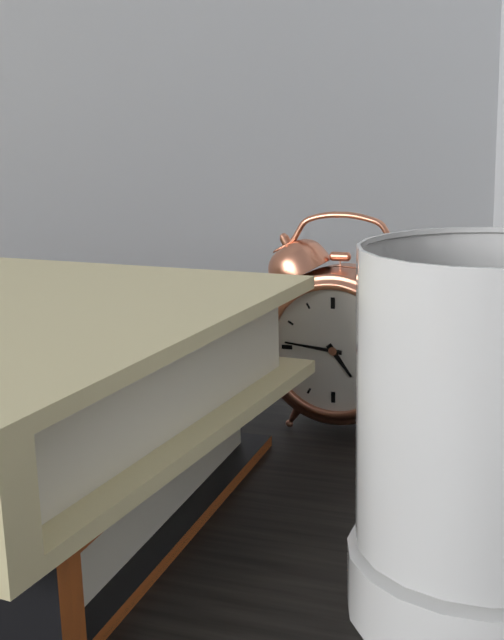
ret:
4,46
